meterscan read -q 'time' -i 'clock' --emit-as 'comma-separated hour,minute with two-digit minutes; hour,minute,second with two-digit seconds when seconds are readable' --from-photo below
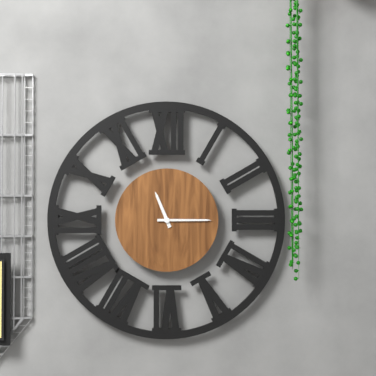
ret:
11,15
